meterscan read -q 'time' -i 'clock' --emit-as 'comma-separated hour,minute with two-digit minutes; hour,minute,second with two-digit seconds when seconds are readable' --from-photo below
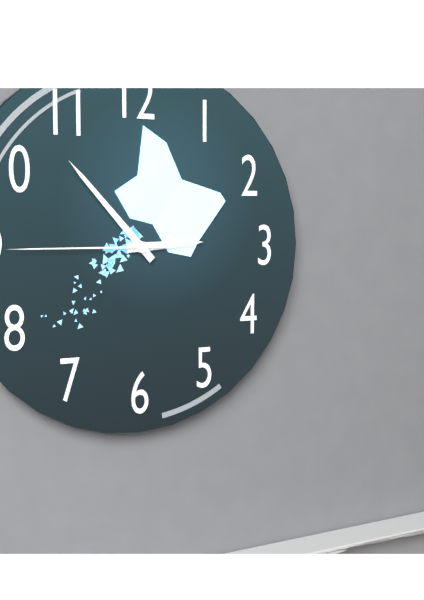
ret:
2,53,45
